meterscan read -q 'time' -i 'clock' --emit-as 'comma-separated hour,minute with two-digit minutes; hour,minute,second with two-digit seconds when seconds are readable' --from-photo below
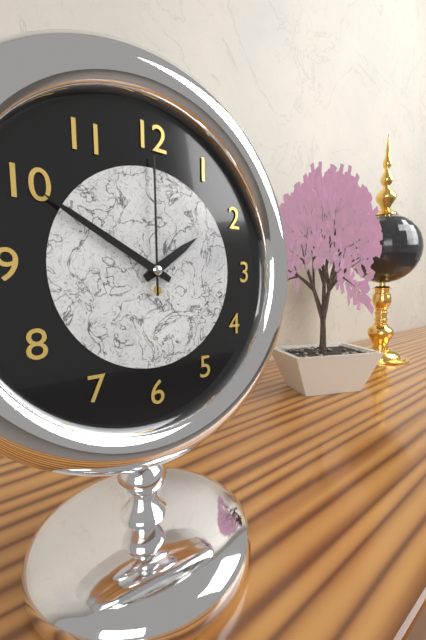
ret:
1,50,00
